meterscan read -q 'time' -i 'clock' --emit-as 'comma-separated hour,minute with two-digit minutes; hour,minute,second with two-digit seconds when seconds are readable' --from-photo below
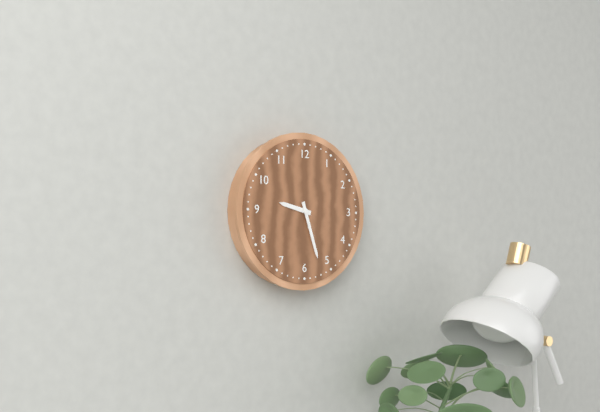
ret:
9,27
